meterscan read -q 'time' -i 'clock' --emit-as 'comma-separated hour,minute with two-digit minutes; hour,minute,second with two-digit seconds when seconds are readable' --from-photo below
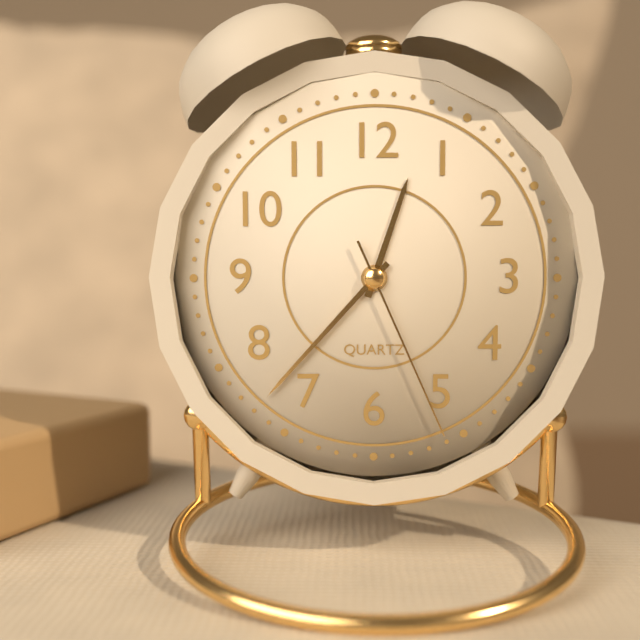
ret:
12,37,26
